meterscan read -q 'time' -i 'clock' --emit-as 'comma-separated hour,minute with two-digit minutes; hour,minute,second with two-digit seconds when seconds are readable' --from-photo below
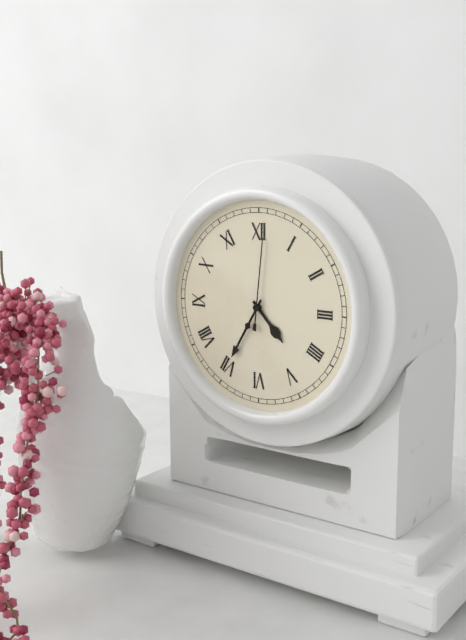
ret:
4,35,01
